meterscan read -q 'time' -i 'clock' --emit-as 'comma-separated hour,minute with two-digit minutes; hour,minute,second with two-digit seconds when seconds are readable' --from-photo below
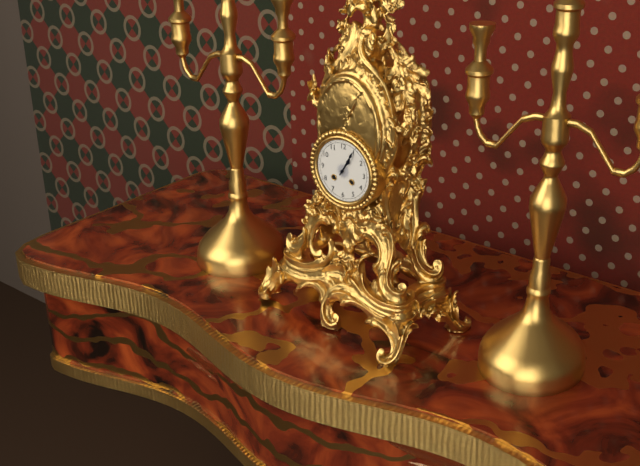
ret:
1,05
